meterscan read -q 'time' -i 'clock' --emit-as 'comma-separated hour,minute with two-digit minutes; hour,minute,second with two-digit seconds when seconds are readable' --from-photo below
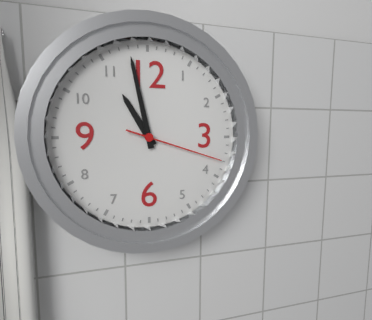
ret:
10,58,18
